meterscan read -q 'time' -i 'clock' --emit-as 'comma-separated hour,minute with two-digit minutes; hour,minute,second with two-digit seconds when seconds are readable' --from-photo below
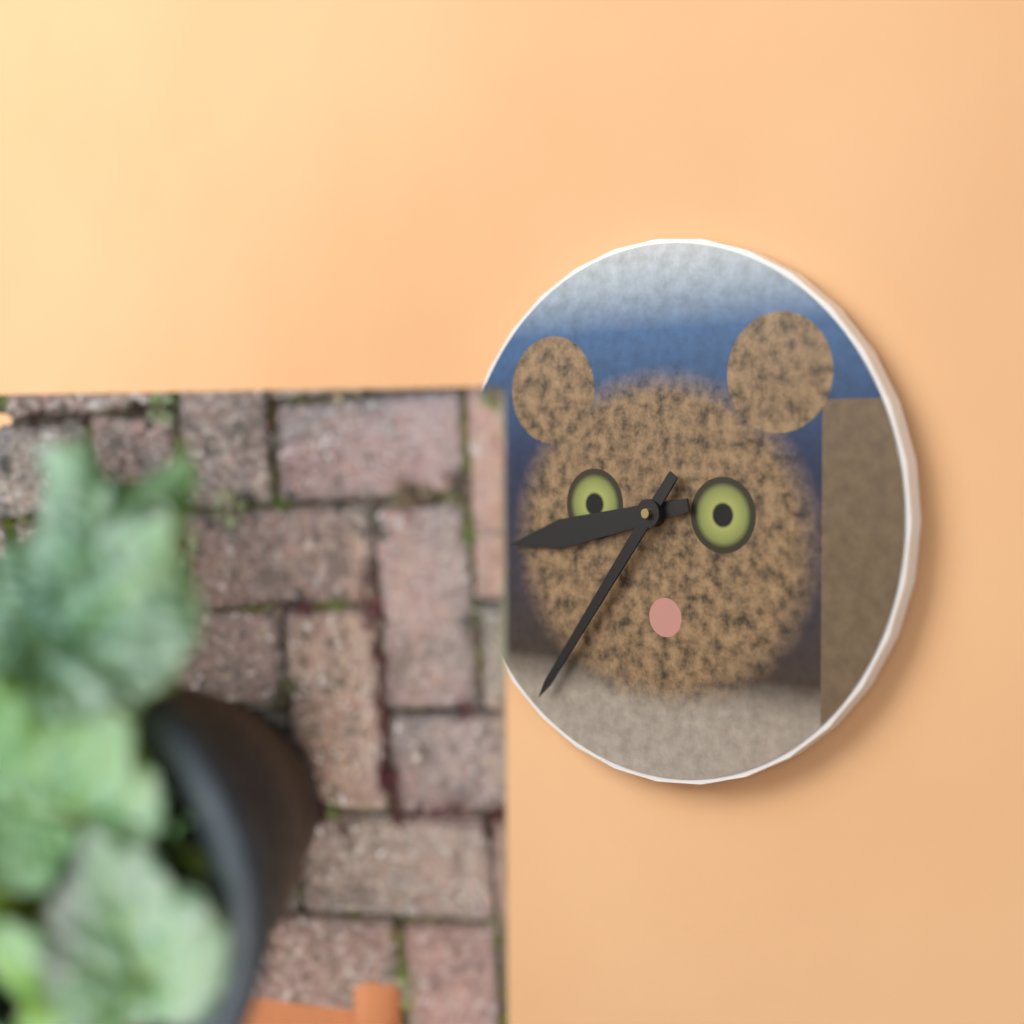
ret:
8,36
